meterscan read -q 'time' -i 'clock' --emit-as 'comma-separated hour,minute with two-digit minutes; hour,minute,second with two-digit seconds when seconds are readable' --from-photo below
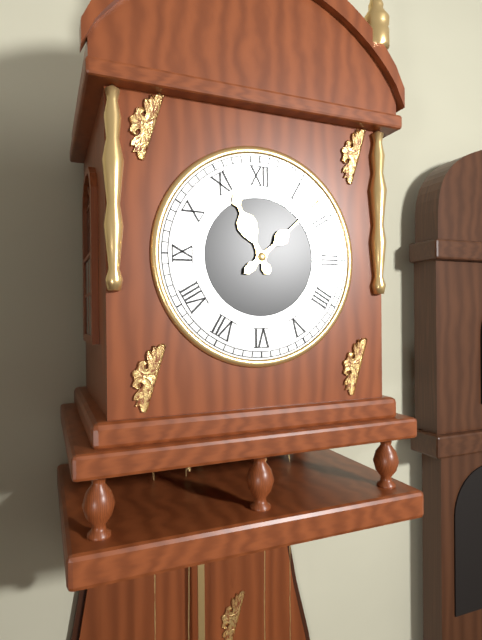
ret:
11,08
